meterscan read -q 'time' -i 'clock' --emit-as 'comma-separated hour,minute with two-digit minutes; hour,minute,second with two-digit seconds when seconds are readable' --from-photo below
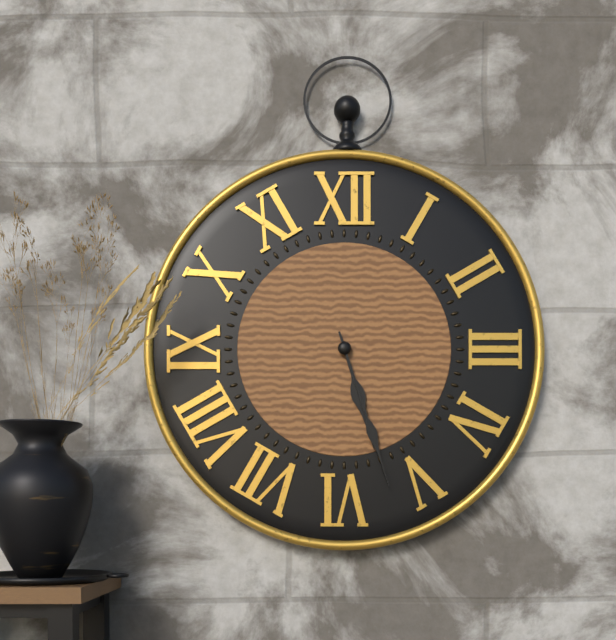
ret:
5,27
